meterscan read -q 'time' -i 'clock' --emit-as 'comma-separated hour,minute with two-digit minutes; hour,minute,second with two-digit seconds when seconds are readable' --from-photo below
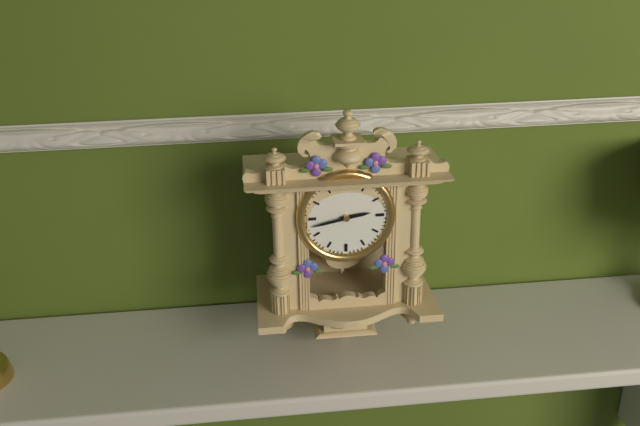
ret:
2,43
